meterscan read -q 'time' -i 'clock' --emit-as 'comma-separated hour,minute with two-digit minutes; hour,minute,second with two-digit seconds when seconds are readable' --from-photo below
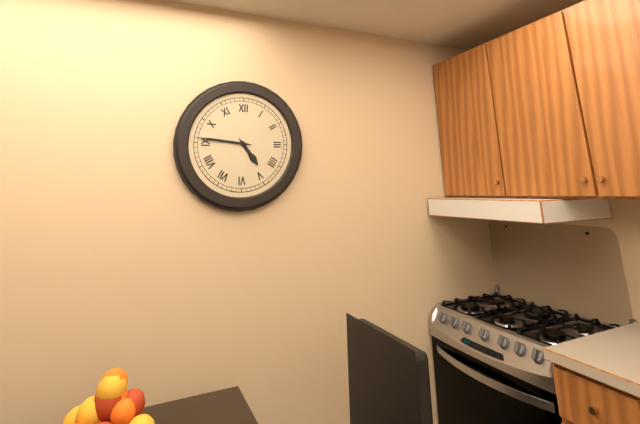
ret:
4,46
